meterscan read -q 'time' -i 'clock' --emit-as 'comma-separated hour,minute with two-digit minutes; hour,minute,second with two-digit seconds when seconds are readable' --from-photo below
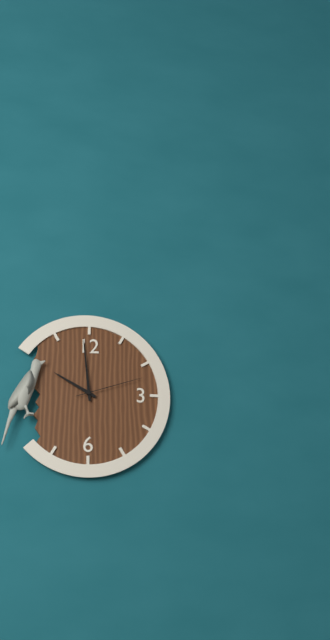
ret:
9,59,12
